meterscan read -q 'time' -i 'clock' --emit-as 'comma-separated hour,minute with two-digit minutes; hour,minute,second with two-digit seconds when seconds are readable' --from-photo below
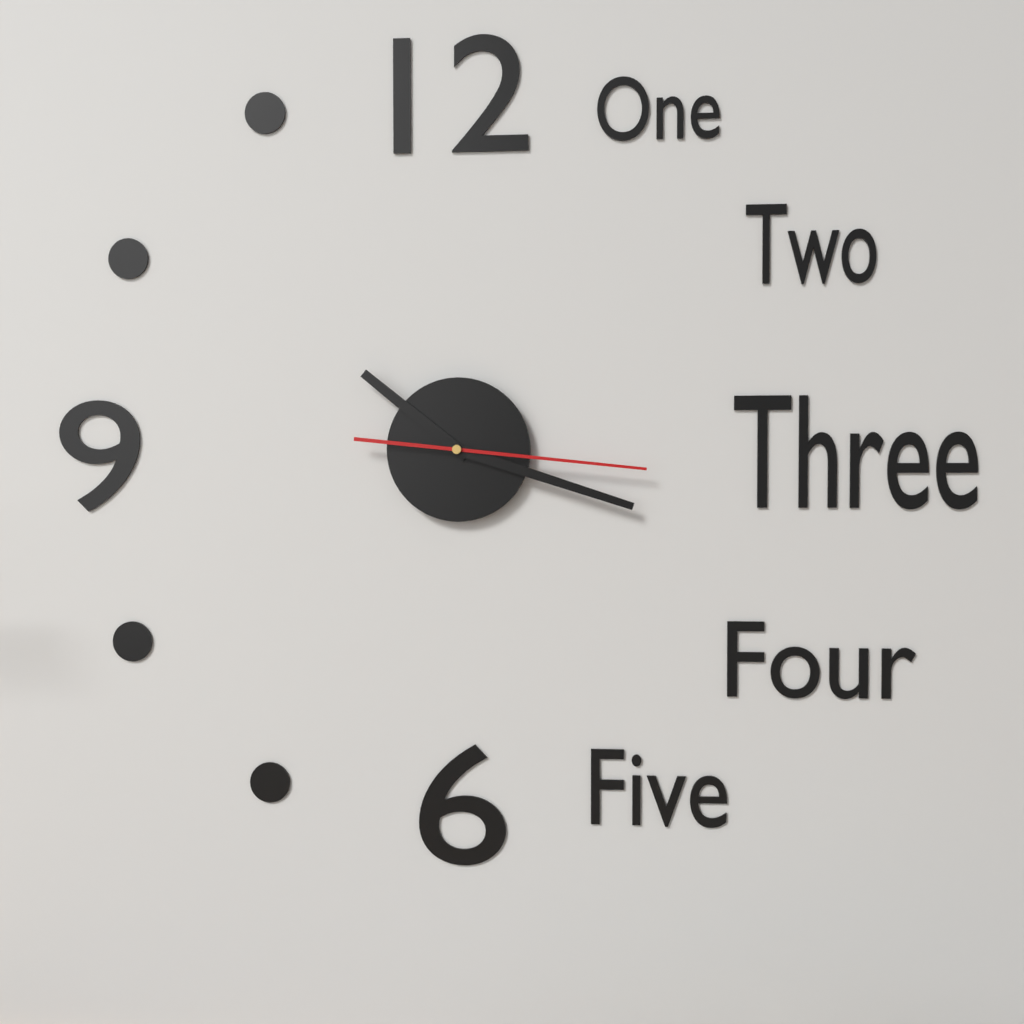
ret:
10,18,16
